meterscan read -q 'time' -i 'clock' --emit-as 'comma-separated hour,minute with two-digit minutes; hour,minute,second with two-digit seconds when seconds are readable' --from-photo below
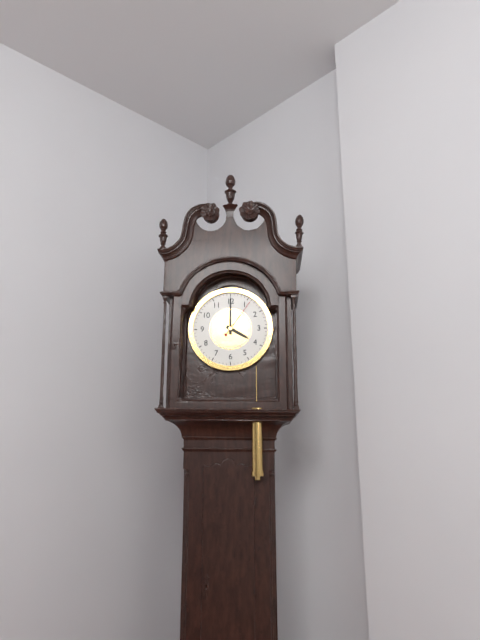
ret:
4,00
